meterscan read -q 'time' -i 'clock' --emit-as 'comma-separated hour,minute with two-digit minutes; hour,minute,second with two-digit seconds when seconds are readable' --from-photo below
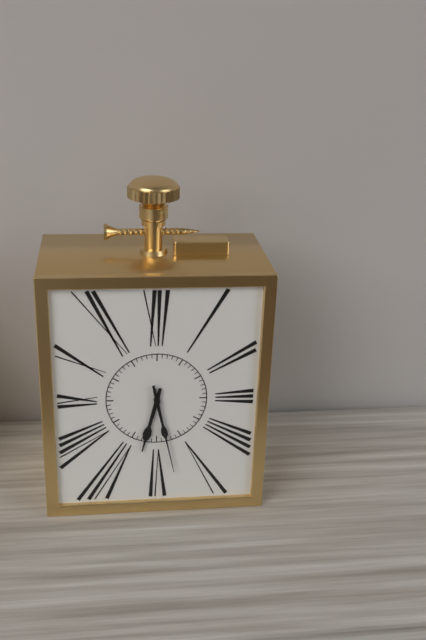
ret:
6,28
